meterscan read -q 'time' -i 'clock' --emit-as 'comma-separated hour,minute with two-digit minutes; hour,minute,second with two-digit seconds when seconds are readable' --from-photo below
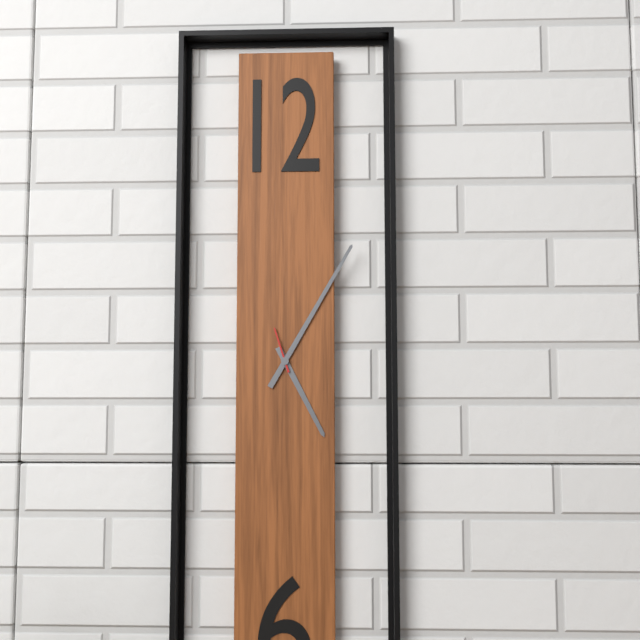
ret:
5,05
